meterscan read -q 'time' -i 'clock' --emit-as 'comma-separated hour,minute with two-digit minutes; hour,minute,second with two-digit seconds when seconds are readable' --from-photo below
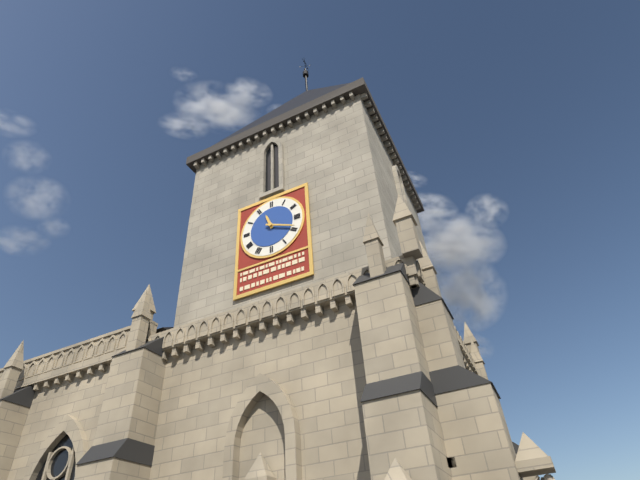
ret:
11,19
